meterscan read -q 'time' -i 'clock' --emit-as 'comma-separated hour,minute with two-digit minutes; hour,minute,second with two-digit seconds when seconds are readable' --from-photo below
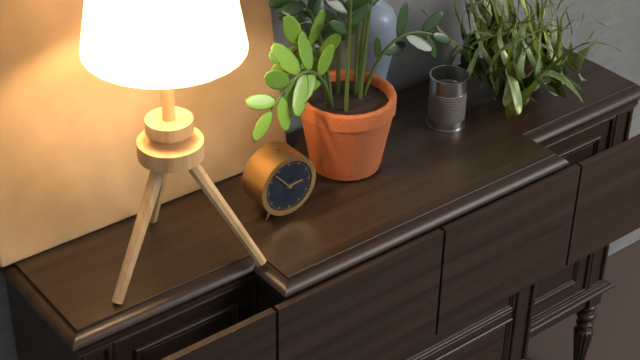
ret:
2,53
